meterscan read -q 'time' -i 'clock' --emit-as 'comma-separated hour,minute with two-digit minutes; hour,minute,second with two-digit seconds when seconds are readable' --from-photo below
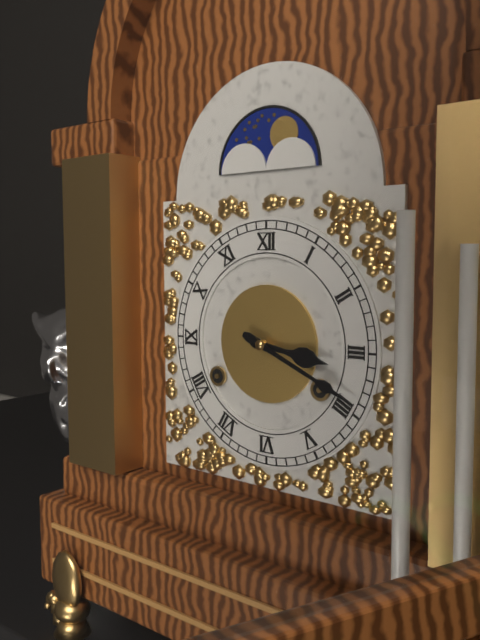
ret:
3,19
